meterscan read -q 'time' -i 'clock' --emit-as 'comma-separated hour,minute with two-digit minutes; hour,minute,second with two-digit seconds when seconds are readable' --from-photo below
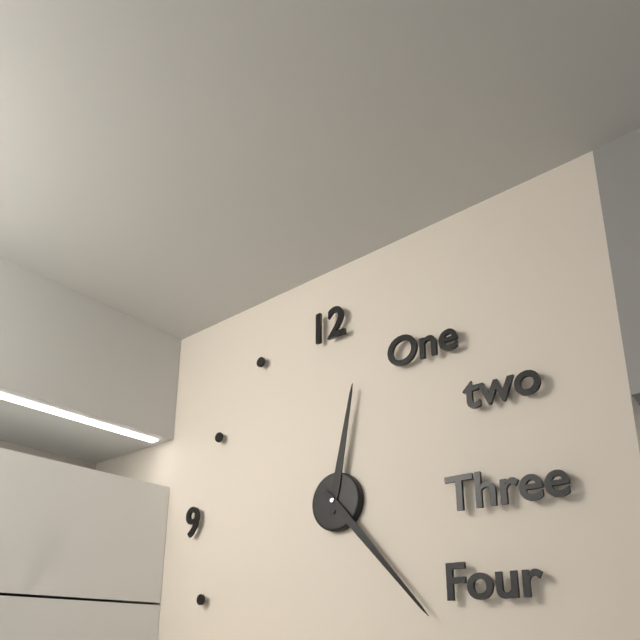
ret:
12,23
